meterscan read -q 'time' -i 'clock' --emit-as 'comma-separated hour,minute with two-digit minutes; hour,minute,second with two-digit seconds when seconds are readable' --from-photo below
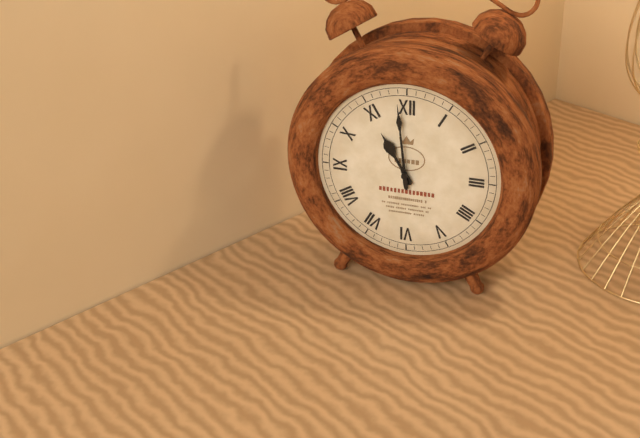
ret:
10,59
